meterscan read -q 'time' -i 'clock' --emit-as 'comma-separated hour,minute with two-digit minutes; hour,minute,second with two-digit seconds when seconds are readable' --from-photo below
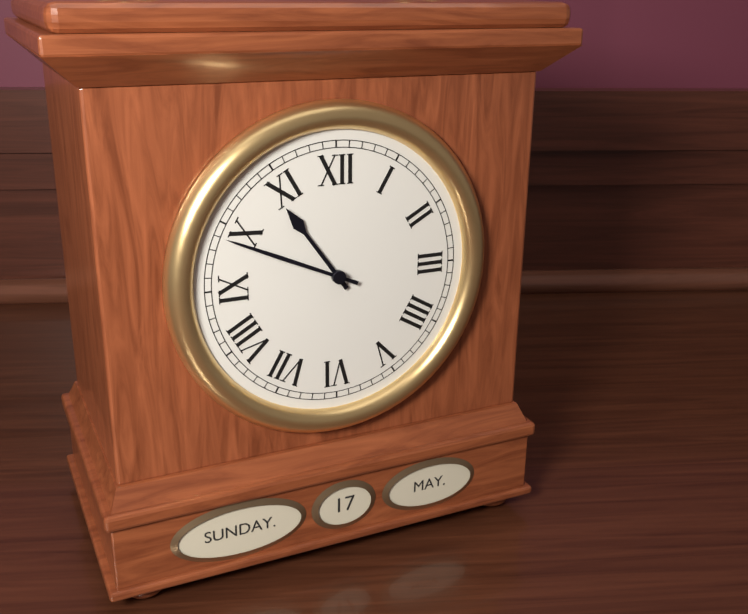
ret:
10,49
